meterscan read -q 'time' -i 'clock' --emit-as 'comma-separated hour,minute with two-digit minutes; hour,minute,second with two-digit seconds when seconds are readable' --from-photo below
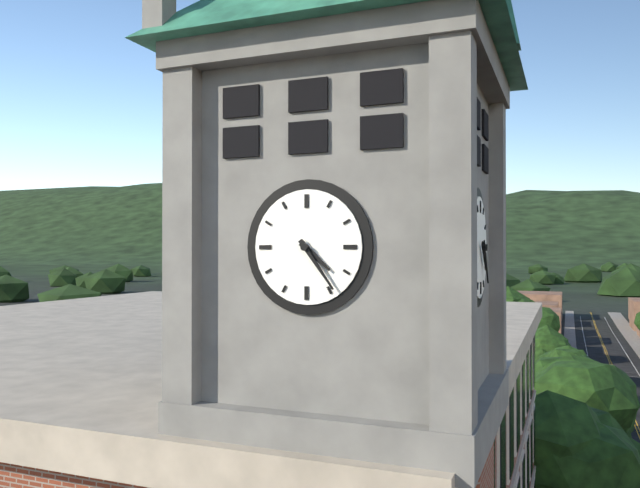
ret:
4,24
